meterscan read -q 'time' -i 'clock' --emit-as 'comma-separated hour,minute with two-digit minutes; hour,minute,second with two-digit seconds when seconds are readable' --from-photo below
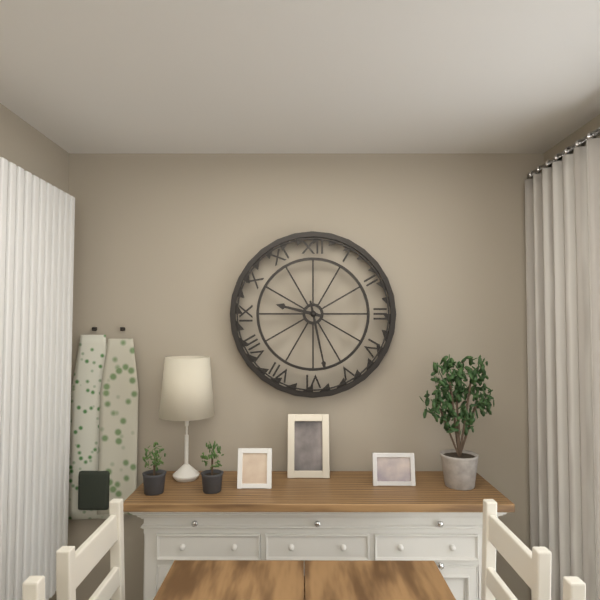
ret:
9,28
